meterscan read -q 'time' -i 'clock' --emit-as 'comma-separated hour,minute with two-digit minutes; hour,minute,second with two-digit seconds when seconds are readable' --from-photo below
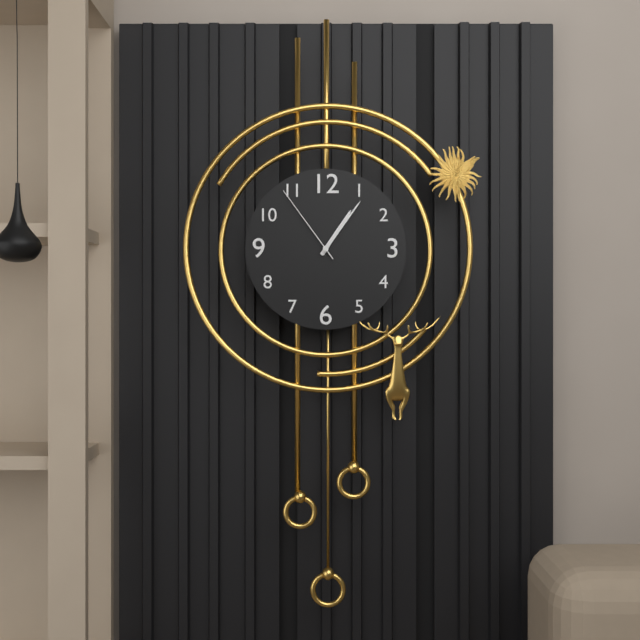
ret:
1,06,54
